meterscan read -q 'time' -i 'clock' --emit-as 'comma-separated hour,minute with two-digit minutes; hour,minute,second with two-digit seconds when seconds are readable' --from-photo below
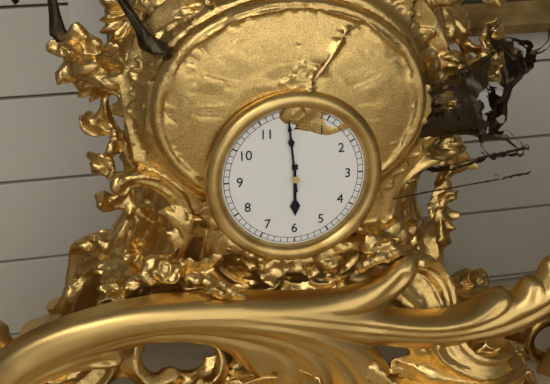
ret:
5,59
